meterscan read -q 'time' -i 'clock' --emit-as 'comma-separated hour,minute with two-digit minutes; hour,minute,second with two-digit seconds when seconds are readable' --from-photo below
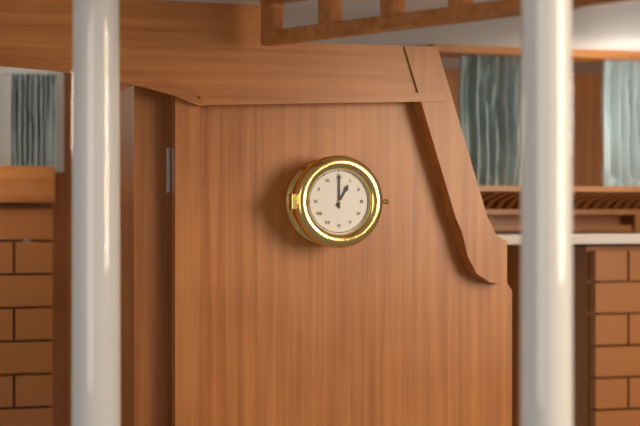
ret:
1,00
